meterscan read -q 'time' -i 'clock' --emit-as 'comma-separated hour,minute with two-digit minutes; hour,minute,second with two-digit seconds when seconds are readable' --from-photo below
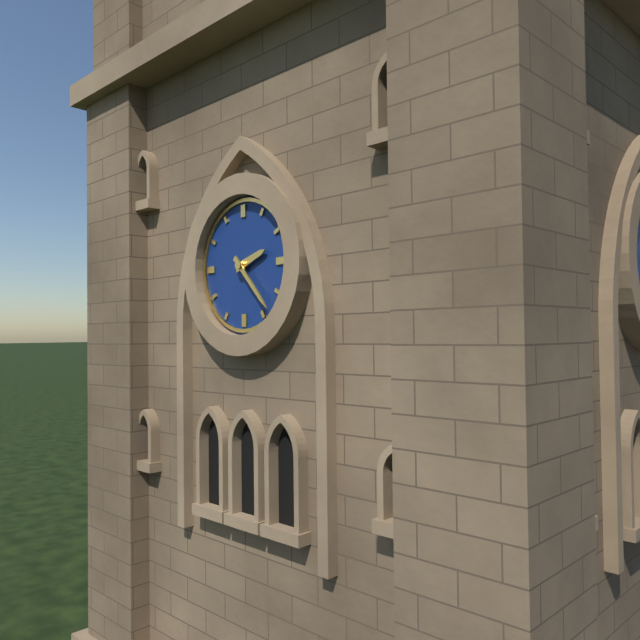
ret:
2,23
